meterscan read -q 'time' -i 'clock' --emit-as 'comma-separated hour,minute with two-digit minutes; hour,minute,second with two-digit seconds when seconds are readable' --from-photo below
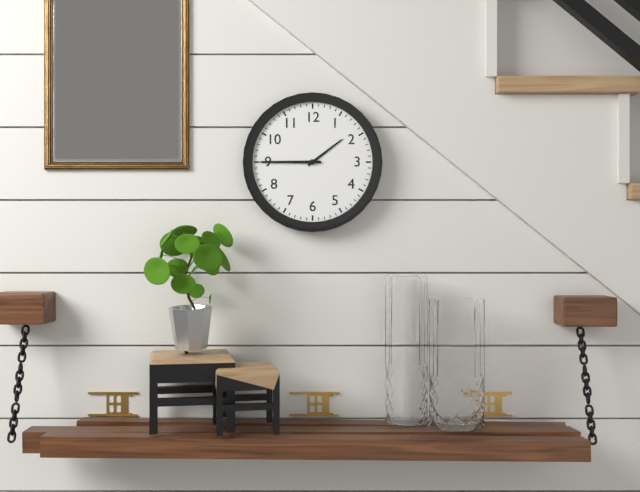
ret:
1,45
